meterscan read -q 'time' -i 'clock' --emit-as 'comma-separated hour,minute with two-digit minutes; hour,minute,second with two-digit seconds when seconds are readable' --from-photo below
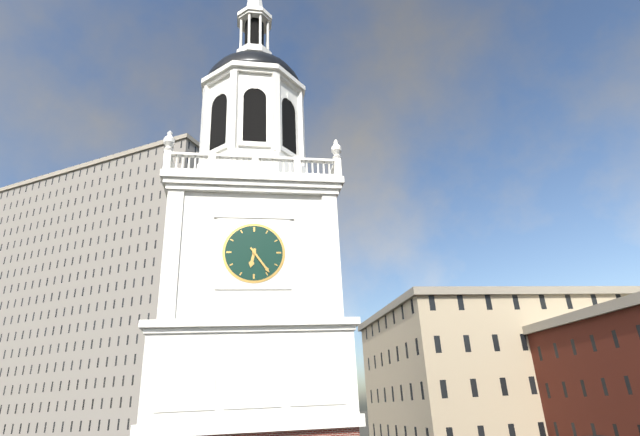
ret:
6,24
